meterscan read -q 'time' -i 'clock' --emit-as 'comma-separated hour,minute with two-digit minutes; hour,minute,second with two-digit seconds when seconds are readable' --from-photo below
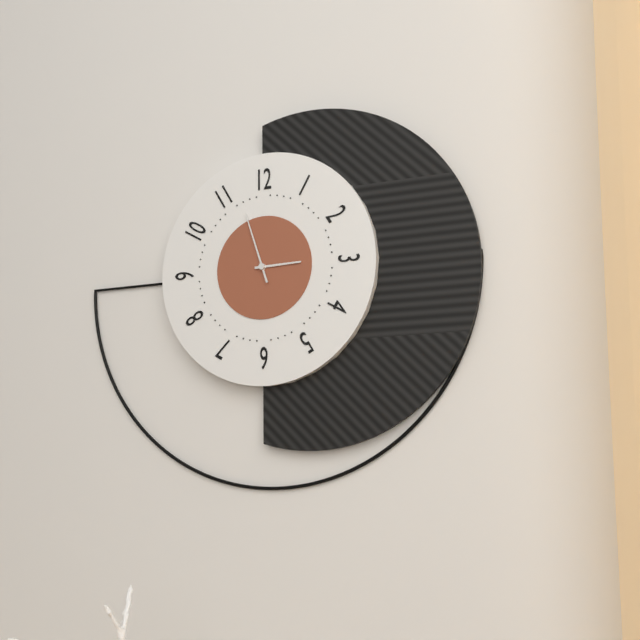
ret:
2,57
